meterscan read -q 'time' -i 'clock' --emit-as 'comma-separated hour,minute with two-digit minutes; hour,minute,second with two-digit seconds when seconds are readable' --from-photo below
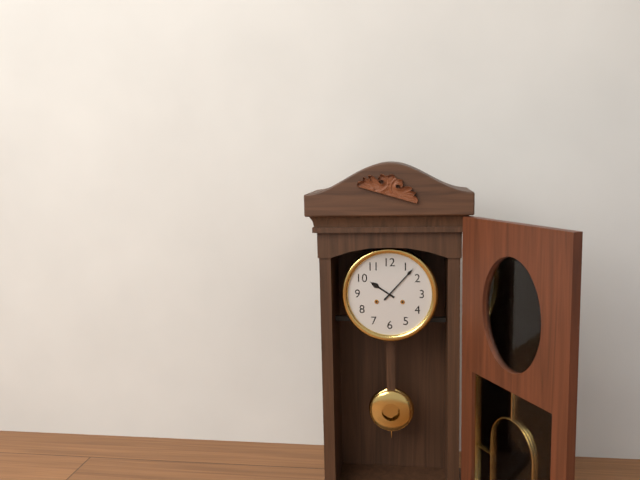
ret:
10,07
